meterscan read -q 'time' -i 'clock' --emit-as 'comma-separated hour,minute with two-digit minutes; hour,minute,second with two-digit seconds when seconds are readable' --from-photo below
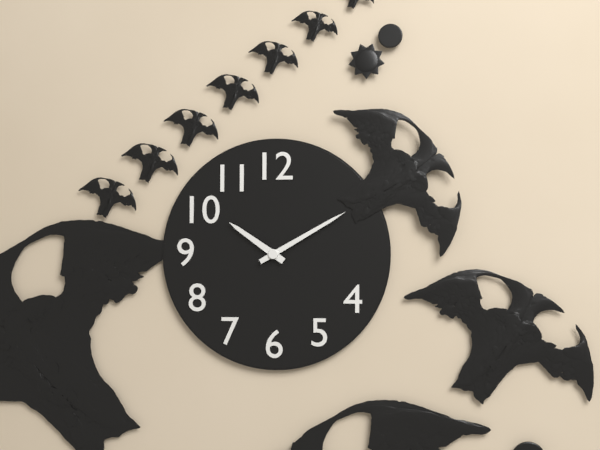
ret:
10,10
